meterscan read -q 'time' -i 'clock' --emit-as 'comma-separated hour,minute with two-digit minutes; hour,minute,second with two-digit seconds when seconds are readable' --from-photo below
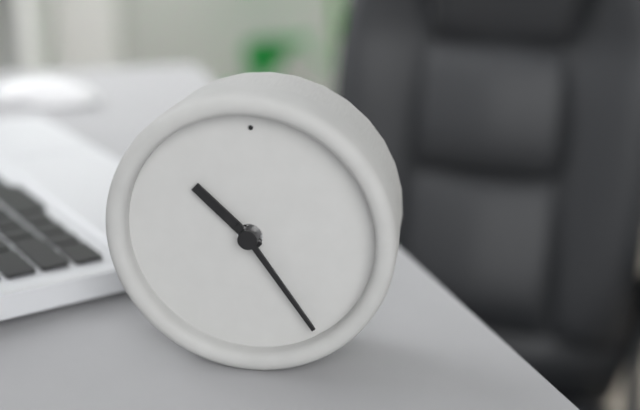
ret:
10,24
